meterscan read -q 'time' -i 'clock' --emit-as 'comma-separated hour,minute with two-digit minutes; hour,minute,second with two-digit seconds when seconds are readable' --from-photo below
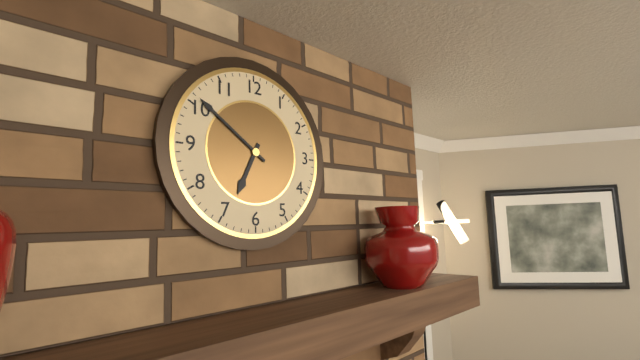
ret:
6,51
